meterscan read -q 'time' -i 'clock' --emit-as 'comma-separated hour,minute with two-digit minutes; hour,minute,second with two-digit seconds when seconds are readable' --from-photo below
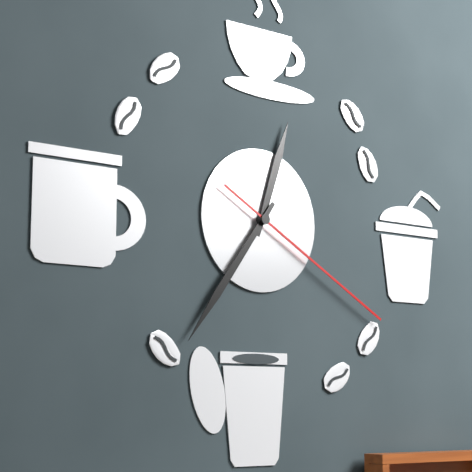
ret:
12,36,20
